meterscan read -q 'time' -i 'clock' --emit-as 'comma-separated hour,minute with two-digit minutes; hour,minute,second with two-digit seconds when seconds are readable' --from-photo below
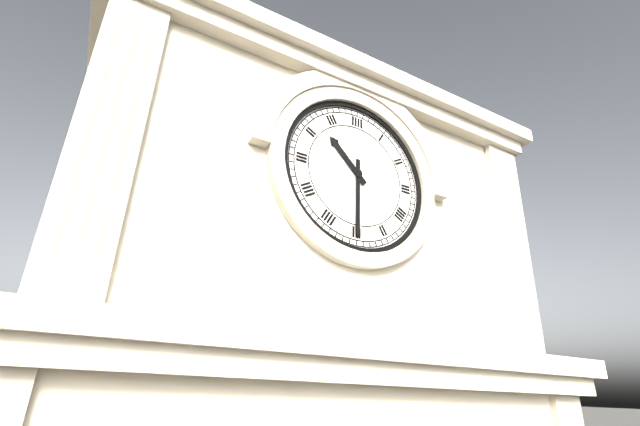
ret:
10,30
